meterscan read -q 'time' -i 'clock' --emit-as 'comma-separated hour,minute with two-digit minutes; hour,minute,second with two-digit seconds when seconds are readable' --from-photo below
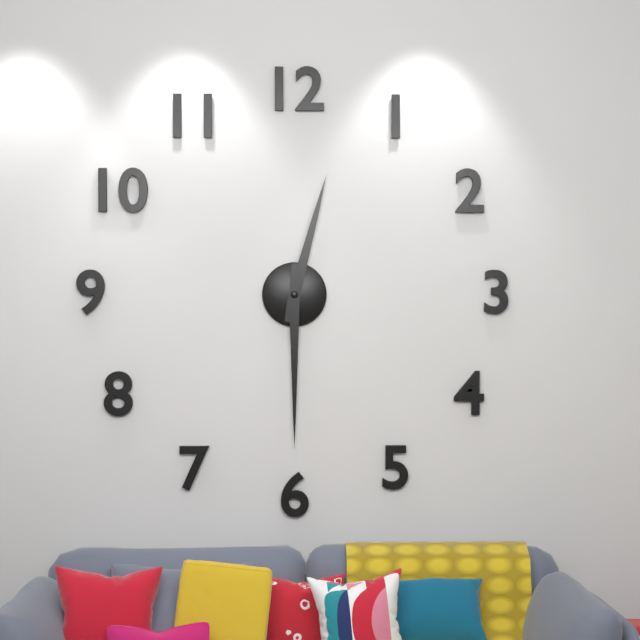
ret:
12,30
